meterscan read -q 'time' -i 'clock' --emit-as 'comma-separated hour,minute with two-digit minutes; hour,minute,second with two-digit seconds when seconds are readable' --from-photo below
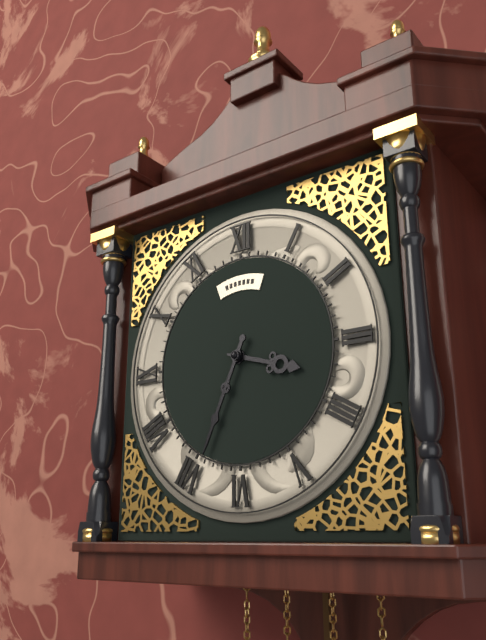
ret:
3,34
